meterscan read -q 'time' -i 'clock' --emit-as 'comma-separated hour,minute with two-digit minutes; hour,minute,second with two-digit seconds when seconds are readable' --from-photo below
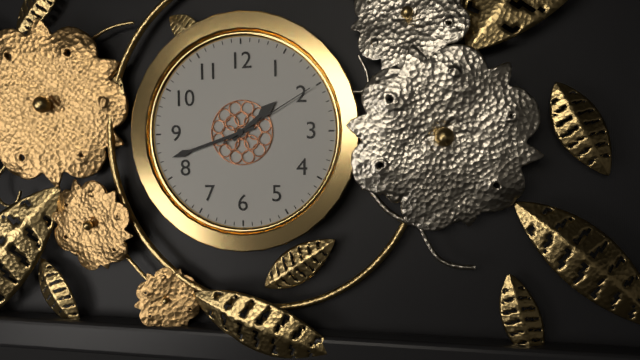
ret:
1,42,10
